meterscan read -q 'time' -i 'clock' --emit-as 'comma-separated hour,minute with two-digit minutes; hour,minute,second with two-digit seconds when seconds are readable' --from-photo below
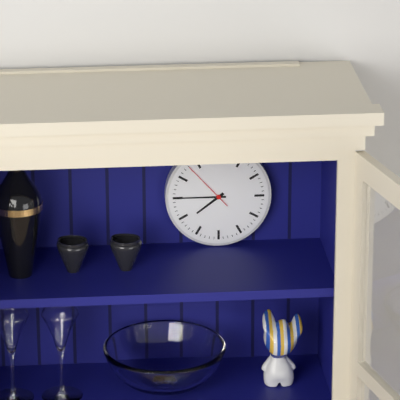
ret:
7,45,53
